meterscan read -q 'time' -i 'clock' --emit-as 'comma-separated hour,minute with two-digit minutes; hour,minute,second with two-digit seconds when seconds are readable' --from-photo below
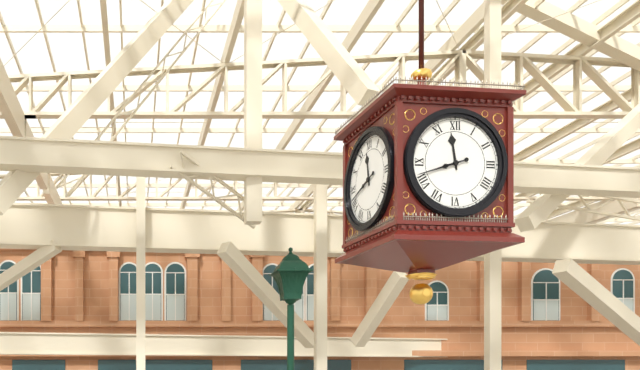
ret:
11,42
